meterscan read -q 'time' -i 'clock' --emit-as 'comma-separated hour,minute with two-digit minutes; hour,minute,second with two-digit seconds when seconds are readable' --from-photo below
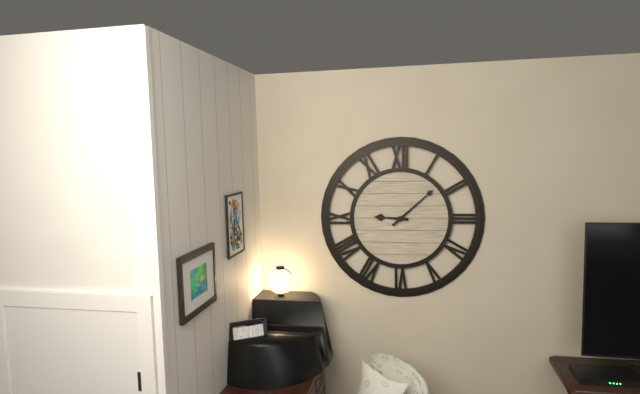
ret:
9,08
